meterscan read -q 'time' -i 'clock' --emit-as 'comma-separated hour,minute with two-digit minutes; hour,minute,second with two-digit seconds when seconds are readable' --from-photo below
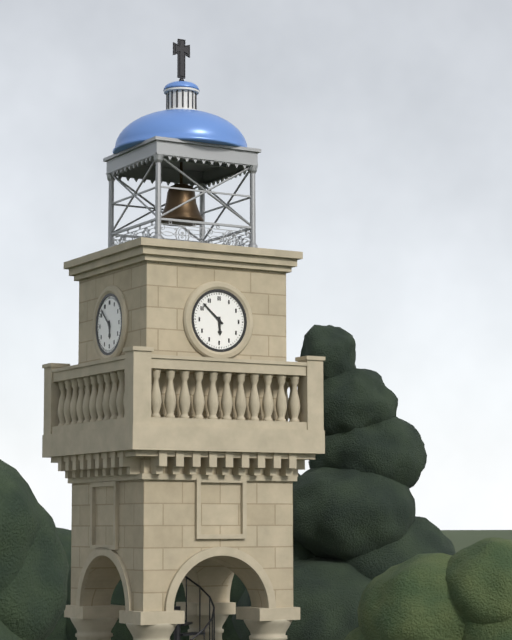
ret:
5,52
